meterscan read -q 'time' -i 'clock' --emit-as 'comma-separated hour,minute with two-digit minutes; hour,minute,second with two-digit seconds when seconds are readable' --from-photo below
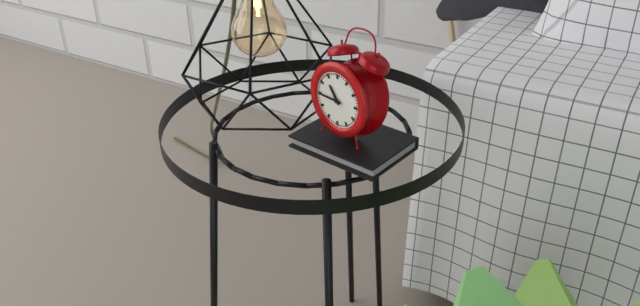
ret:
10,45
